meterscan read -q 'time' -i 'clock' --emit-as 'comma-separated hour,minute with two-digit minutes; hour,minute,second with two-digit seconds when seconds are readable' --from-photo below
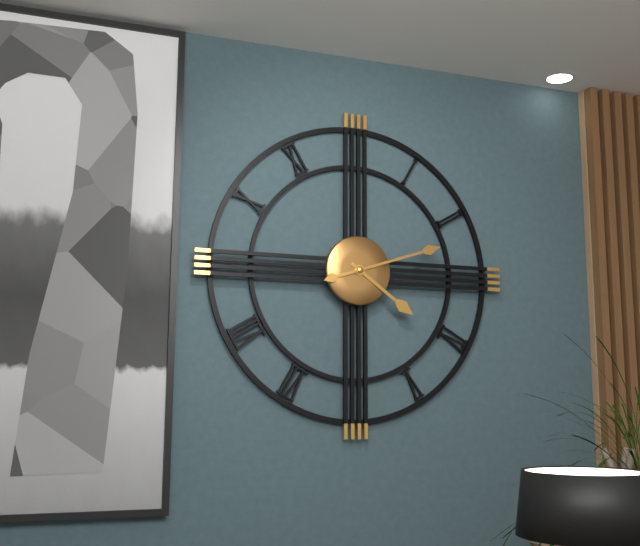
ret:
4,12
